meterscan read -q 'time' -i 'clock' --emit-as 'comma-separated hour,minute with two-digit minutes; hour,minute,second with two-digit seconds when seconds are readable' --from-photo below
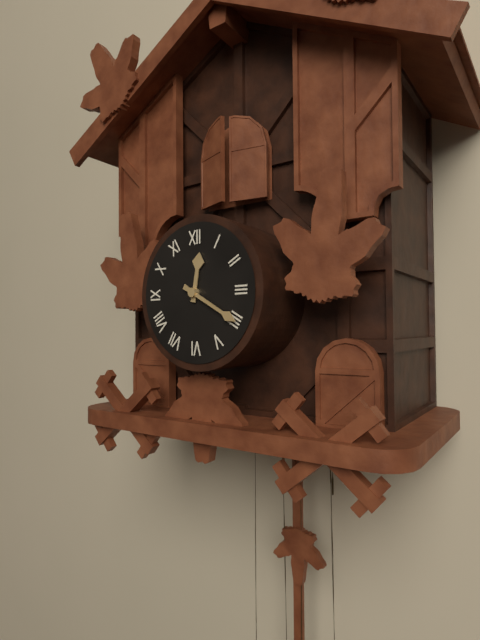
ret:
12,20
